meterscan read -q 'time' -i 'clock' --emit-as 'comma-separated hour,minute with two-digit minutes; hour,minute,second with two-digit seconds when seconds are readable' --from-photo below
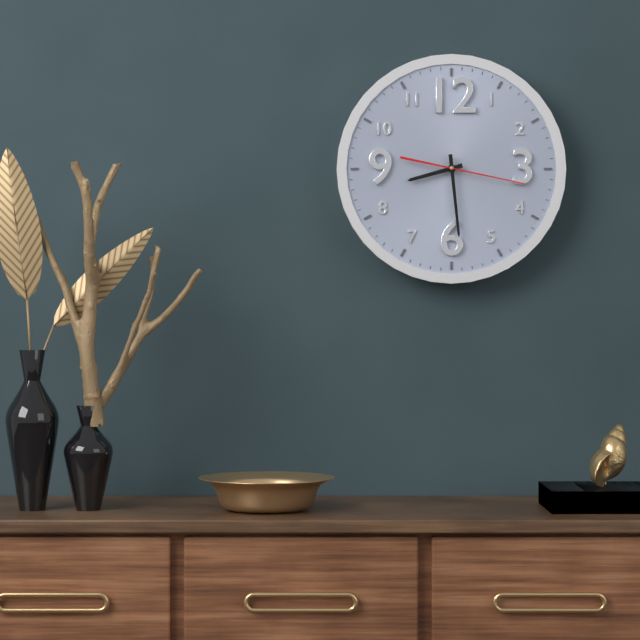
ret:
8,29,17
